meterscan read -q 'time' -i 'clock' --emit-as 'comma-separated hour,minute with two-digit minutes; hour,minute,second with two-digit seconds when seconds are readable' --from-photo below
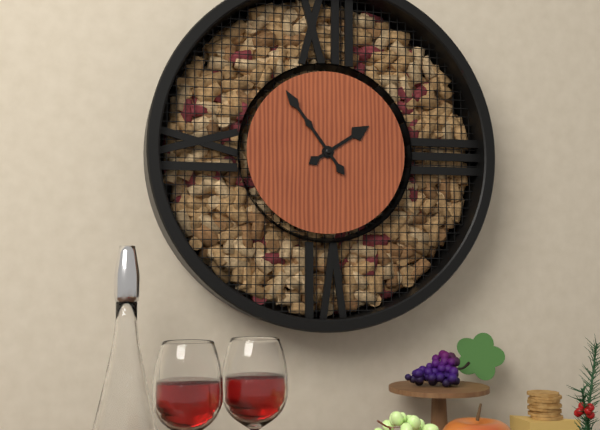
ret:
1,54
